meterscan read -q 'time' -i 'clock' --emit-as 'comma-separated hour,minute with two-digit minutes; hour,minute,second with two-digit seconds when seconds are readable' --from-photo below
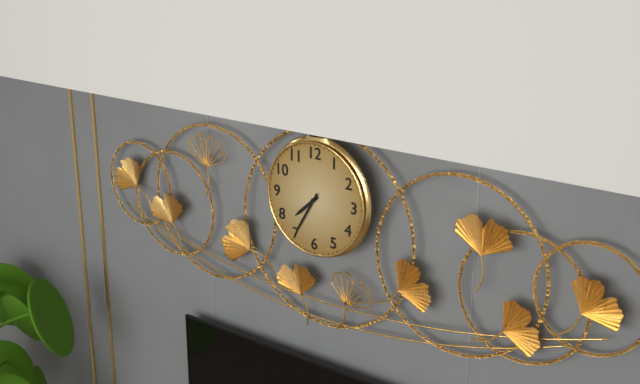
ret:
7,35
